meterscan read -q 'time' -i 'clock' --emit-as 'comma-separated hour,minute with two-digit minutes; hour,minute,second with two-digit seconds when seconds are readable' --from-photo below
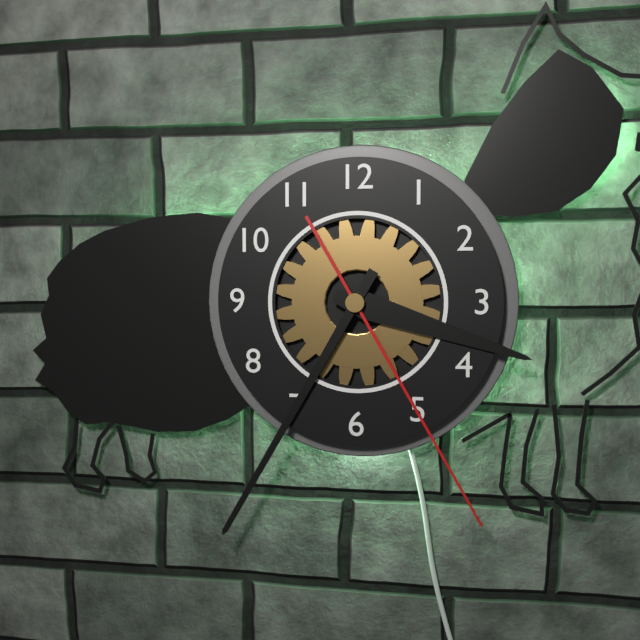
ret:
3,35,25
